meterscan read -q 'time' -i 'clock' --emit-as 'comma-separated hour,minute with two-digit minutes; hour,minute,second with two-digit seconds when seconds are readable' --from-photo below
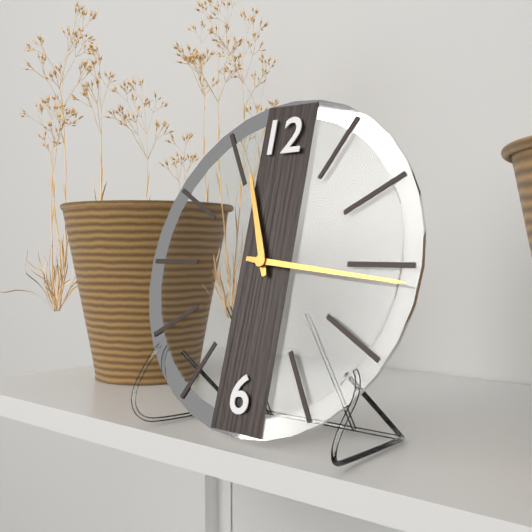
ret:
11,16
